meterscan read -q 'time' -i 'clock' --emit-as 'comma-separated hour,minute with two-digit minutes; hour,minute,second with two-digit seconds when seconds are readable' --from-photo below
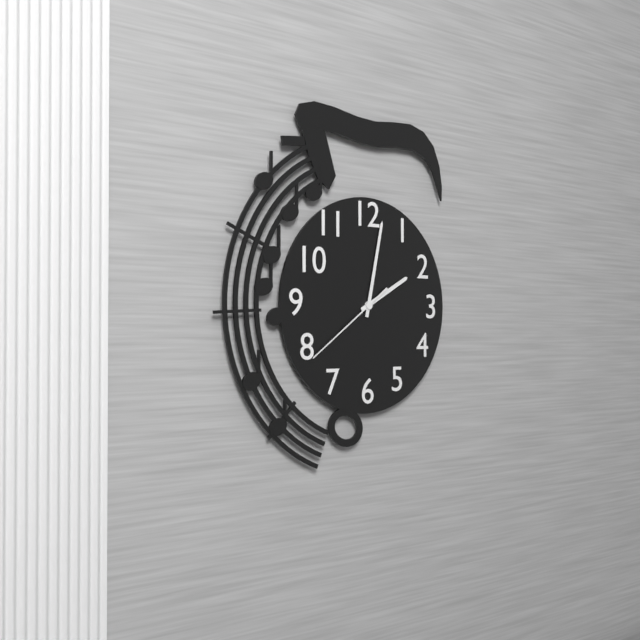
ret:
2,02,39
